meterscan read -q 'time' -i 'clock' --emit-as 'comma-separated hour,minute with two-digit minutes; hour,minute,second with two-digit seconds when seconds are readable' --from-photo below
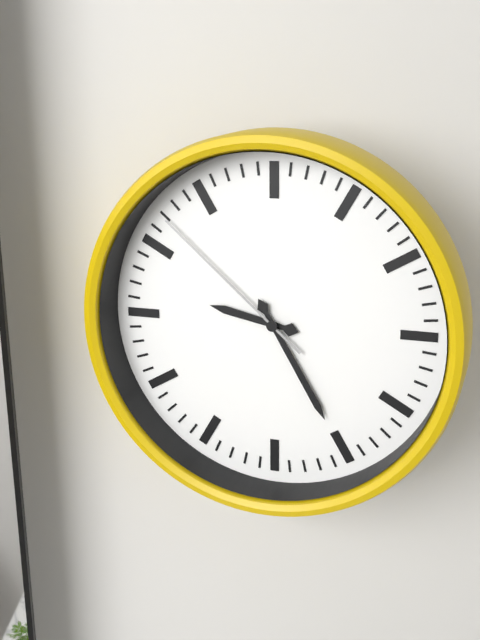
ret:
9,25,52
